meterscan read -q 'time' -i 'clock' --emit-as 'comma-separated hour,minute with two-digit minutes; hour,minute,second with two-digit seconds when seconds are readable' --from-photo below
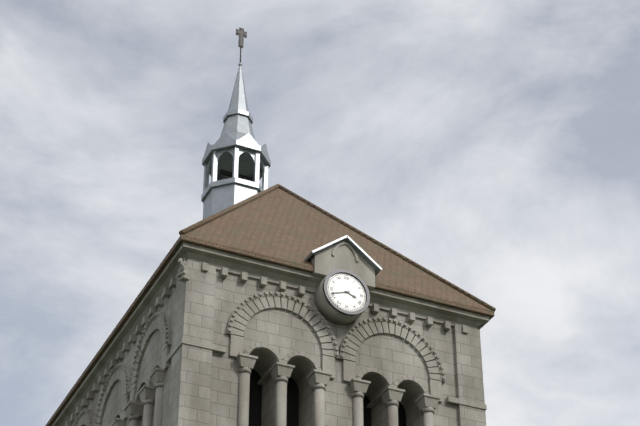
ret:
3,42
